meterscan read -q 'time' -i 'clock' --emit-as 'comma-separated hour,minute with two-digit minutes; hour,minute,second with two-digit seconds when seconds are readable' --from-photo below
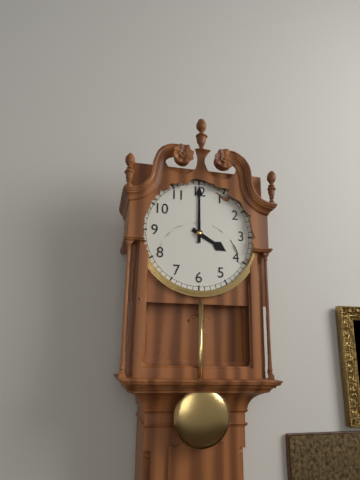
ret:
4,00
